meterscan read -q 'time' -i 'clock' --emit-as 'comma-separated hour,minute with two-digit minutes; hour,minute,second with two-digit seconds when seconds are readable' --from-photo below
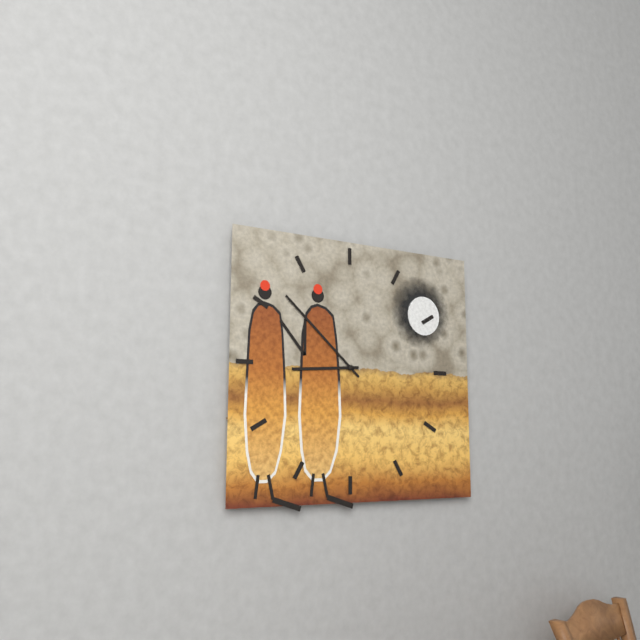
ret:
8,52
